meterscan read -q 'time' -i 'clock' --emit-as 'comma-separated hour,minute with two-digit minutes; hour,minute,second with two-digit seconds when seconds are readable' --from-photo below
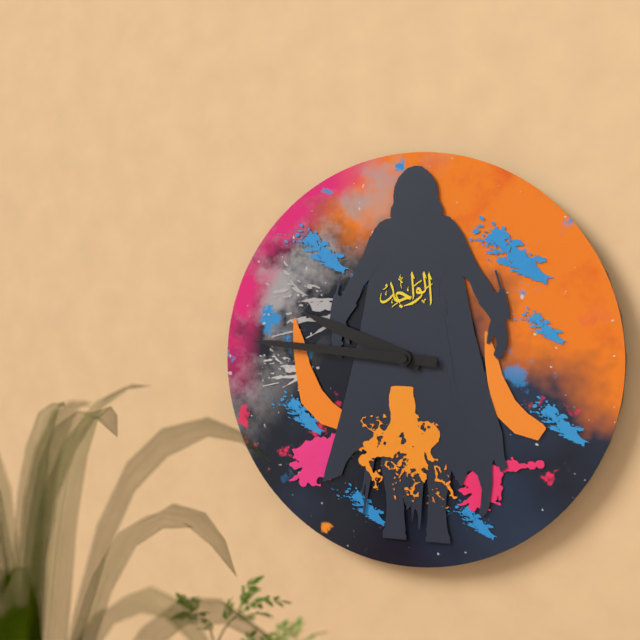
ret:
9,46
